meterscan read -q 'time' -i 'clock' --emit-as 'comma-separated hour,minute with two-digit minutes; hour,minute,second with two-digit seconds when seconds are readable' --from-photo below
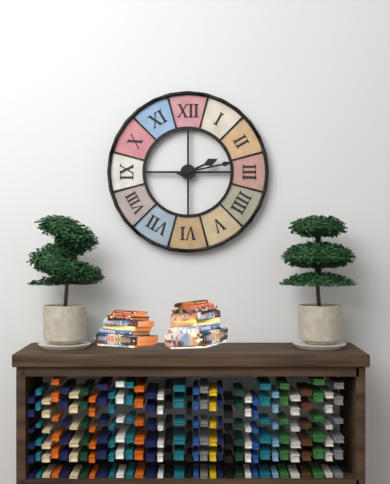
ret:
2,13
